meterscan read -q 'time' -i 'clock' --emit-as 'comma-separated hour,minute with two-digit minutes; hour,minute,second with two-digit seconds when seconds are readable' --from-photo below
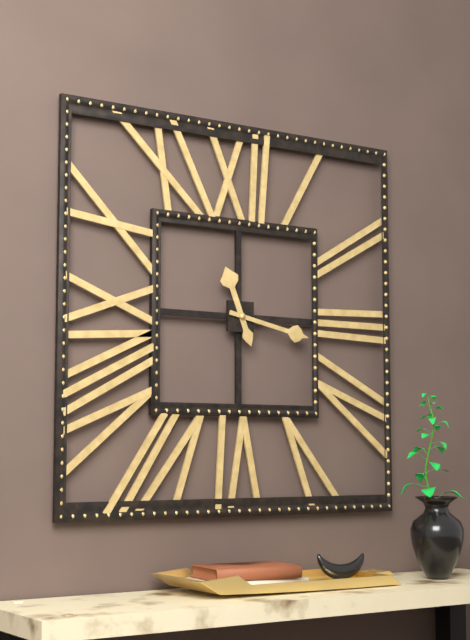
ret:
11,17
